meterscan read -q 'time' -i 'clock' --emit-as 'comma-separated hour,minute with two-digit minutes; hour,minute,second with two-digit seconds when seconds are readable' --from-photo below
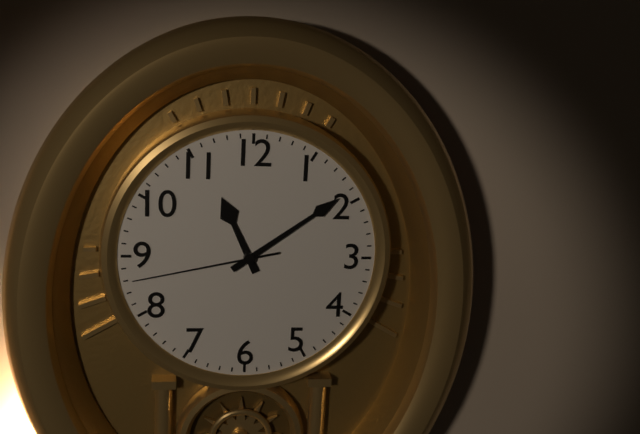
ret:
11,09,43
